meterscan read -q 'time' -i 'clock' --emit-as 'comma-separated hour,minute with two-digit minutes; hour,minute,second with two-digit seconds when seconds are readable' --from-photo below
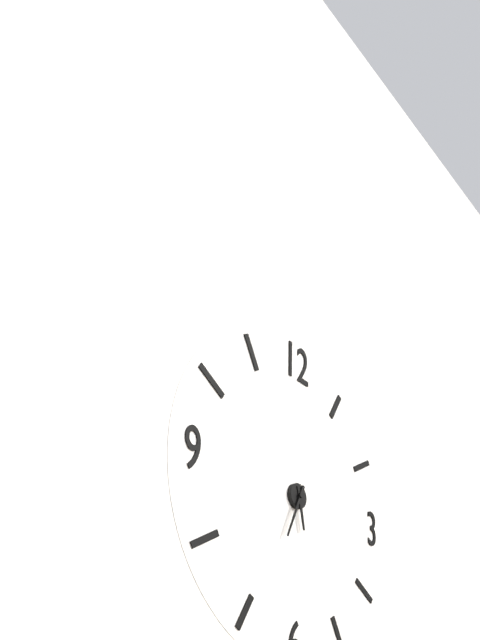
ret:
5,34
